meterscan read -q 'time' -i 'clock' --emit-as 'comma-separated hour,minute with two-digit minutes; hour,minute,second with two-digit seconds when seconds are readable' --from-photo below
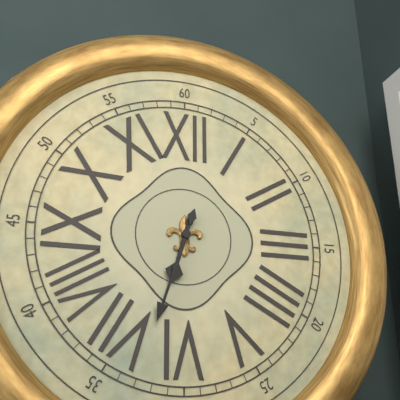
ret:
6,33
